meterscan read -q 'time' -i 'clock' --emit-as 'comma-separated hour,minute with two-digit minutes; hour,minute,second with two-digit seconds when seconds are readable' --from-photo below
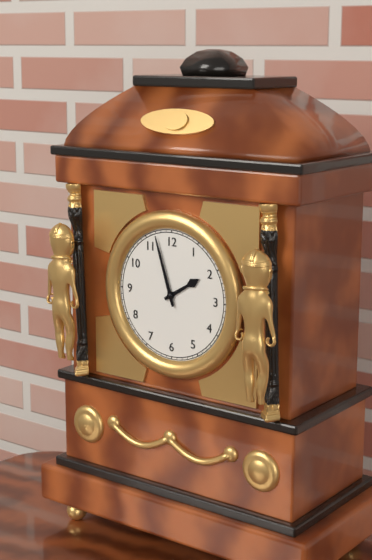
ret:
1,57
